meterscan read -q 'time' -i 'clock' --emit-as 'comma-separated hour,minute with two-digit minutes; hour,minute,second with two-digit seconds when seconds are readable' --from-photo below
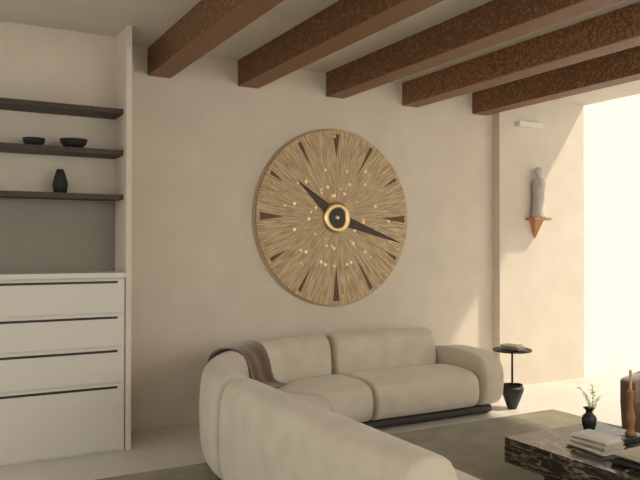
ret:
10,18
